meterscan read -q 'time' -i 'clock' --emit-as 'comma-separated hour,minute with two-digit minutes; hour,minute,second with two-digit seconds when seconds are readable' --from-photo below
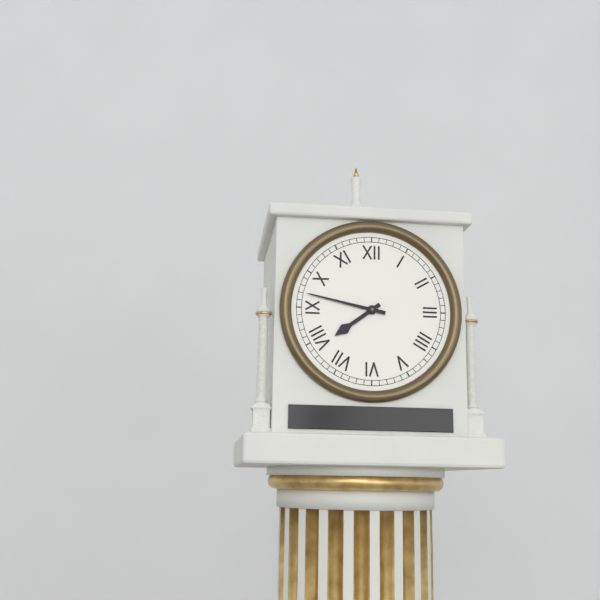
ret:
7,47
